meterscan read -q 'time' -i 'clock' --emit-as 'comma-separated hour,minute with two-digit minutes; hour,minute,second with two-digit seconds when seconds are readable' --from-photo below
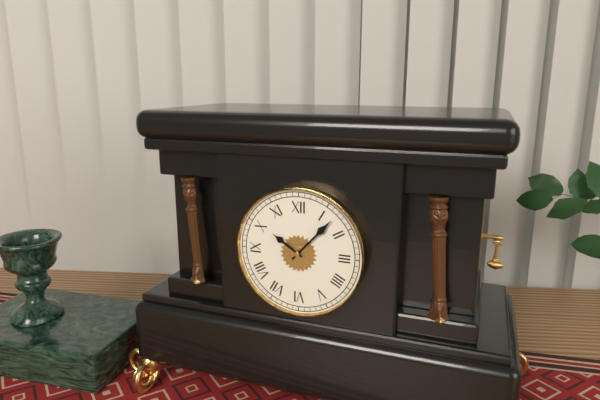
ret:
10,07
